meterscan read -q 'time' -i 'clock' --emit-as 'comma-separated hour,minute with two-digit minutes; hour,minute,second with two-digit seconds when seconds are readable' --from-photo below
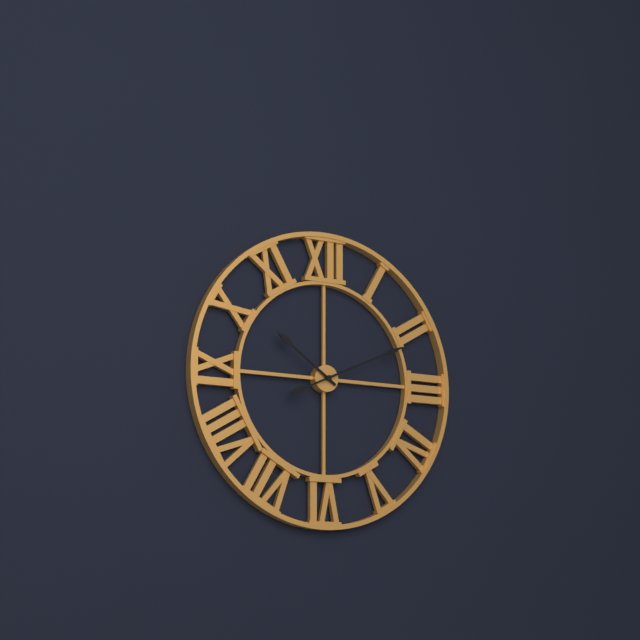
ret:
10,11
